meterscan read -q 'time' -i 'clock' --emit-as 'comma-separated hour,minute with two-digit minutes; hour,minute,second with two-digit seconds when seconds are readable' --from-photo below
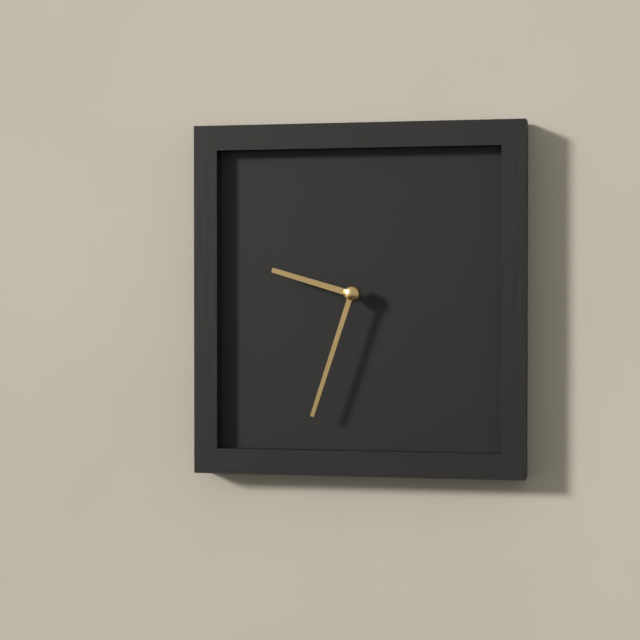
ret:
9,33
